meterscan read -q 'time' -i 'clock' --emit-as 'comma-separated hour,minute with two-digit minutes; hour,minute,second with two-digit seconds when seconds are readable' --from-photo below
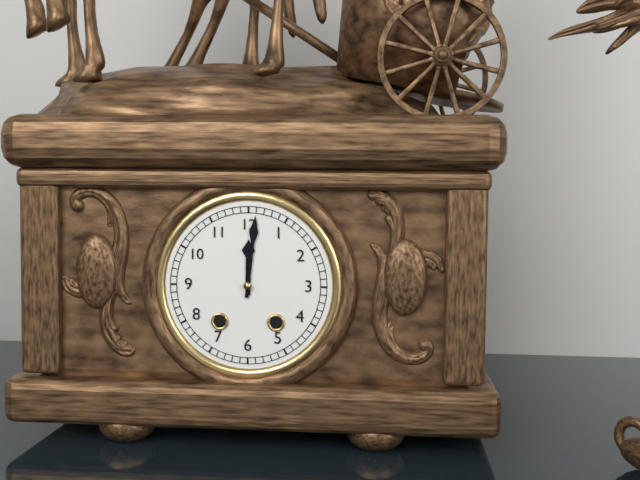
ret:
12,01
